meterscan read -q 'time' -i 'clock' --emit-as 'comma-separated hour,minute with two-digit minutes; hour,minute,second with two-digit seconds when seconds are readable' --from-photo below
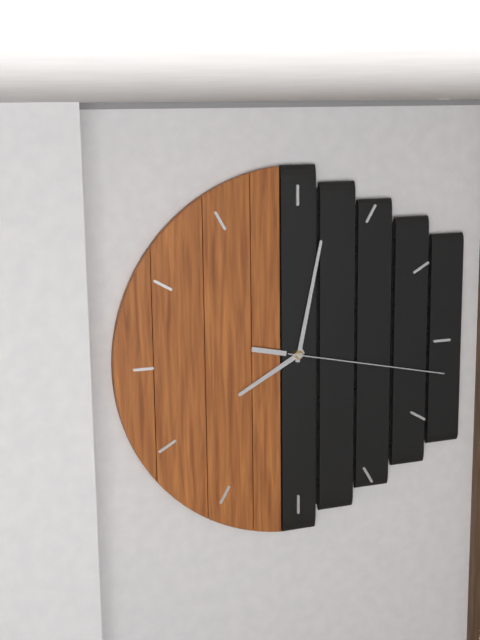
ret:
8,02,17
